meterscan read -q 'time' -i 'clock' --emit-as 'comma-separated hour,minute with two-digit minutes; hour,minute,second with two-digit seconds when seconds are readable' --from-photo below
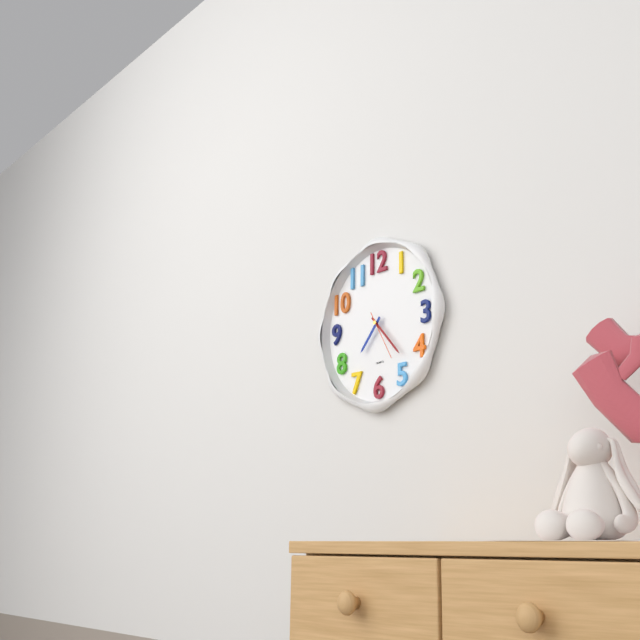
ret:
7,23
